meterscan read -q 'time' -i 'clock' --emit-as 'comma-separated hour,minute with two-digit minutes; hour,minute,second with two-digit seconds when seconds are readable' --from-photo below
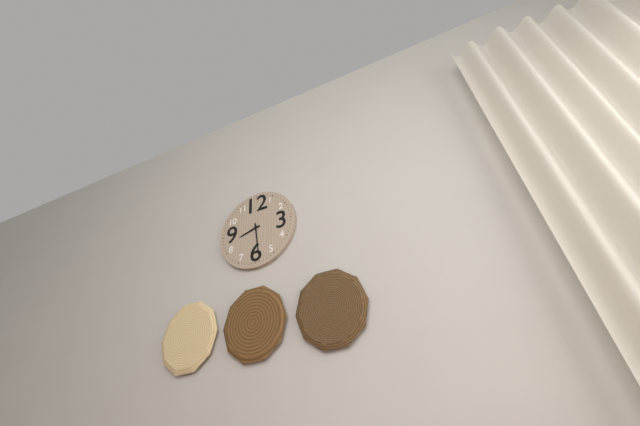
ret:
8,29
